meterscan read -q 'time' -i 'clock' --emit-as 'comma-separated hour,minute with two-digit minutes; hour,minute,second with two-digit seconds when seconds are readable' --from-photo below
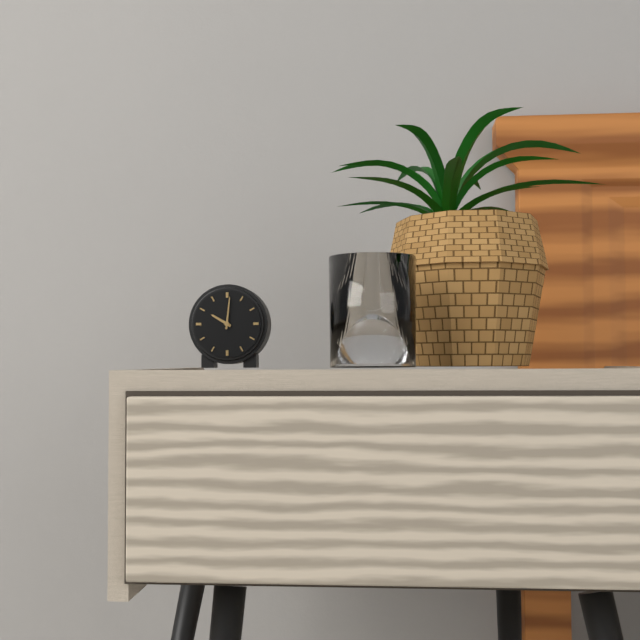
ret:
10,01
